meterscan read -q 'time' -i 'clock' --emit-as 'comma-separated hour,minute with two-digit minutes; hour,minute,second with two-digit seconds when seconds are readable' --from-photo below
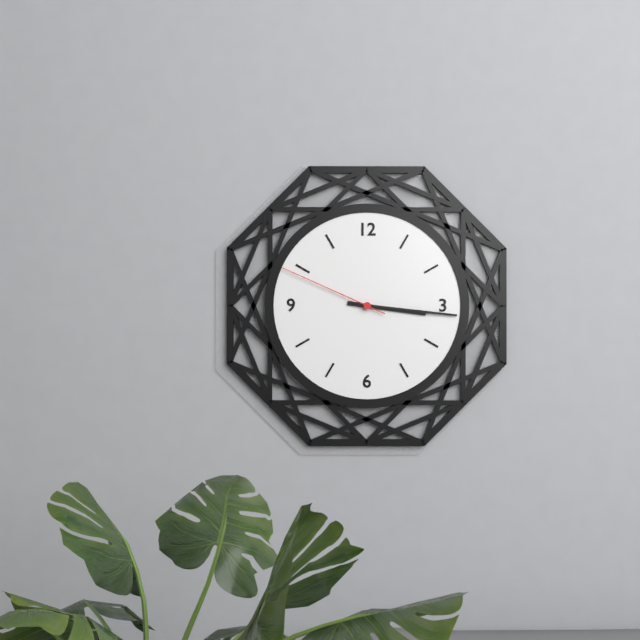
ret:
3,16,49
